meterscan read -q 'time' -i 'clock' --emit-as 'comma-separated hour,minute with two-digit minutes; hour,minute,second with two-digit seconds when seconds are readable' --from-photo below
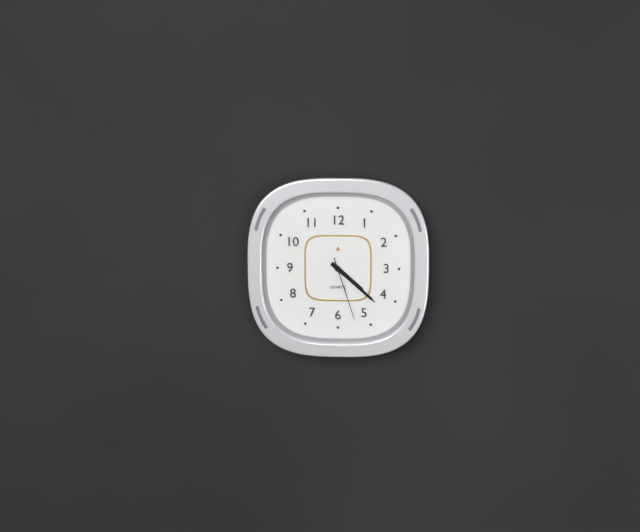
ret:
4,22,27
